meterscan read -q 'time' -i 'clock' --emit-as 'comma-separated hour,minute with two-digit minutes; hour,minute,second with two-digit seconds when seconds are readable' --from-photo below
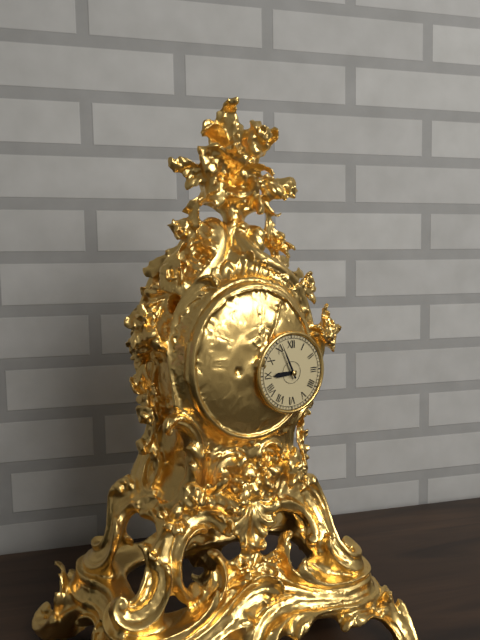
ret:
8,56
